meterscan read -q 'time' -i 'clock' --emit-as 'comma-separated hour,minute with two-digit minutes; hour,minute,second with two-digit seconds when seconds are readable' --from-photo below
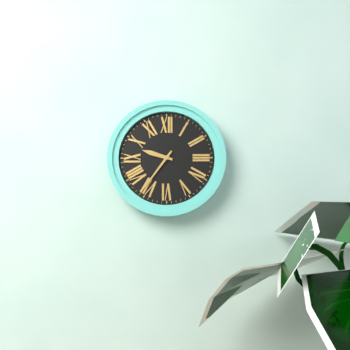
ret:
9,36
